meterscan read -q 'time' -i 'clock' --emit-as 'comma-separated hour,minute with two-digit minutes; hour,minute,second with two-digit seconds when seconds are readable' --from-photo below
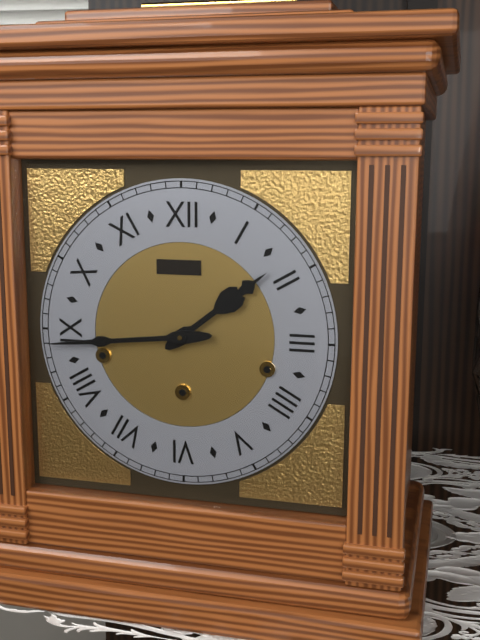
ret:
1,44
